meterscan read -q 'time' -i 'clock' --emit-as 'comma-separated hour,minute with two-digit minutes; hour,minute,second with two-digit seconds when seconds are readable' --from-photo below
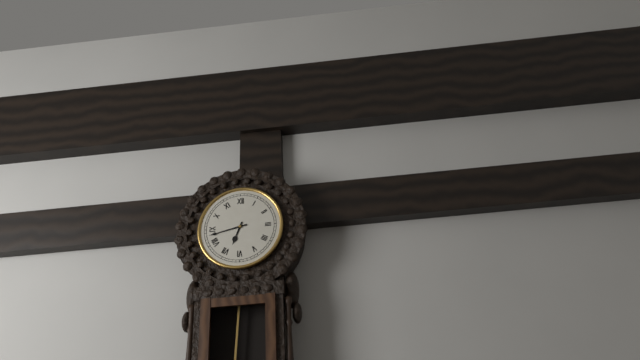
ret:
6,43
